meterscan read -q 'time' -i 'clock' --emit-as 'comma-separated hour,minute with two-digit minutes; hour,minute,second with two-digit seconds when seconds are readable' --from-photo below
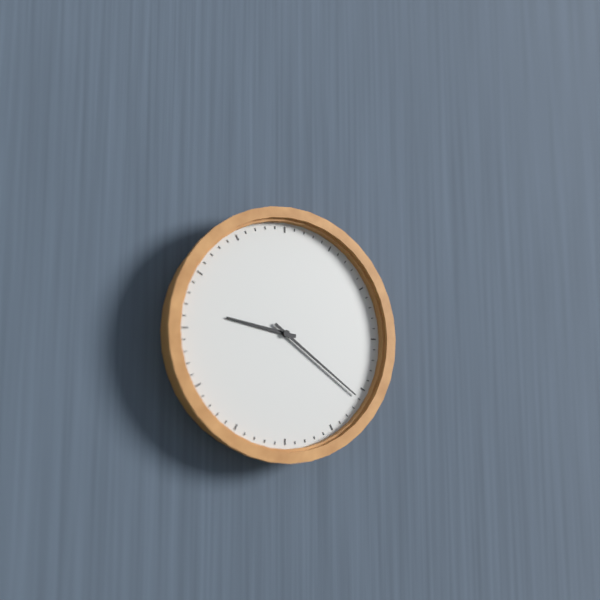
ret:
9,21
